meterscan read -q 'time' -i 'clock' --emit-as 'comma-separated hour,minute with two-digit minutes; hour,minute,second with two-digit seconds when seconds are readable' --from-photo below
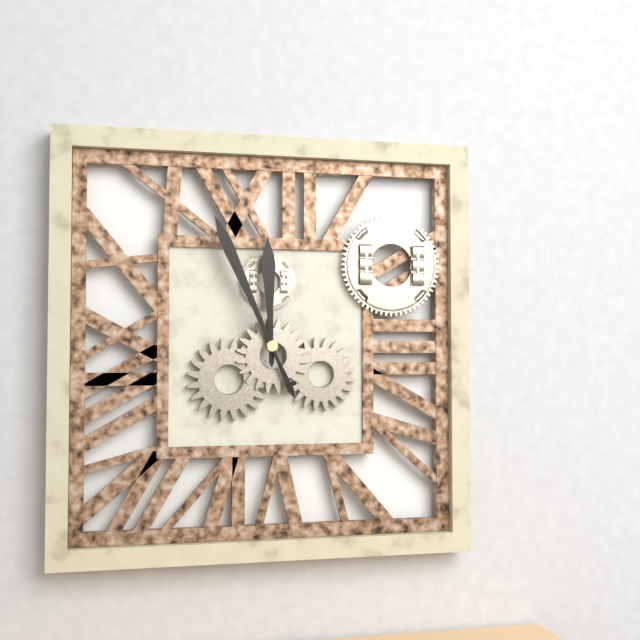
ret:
11,56
